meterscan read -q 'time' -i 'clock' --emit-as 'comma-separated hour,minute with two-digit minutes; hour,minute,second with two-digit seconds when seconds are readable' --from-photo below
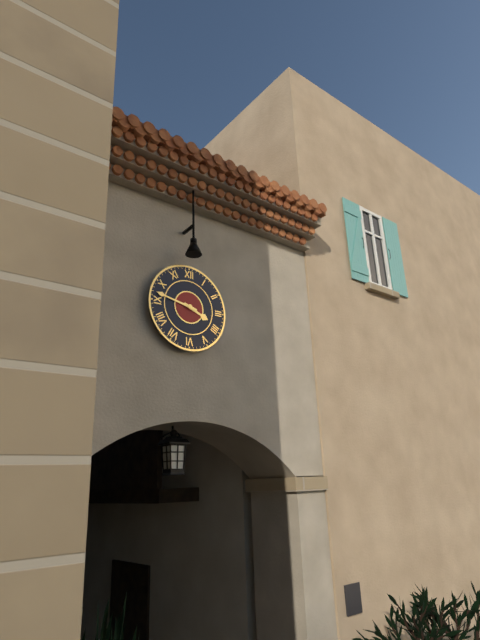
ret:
3,47
